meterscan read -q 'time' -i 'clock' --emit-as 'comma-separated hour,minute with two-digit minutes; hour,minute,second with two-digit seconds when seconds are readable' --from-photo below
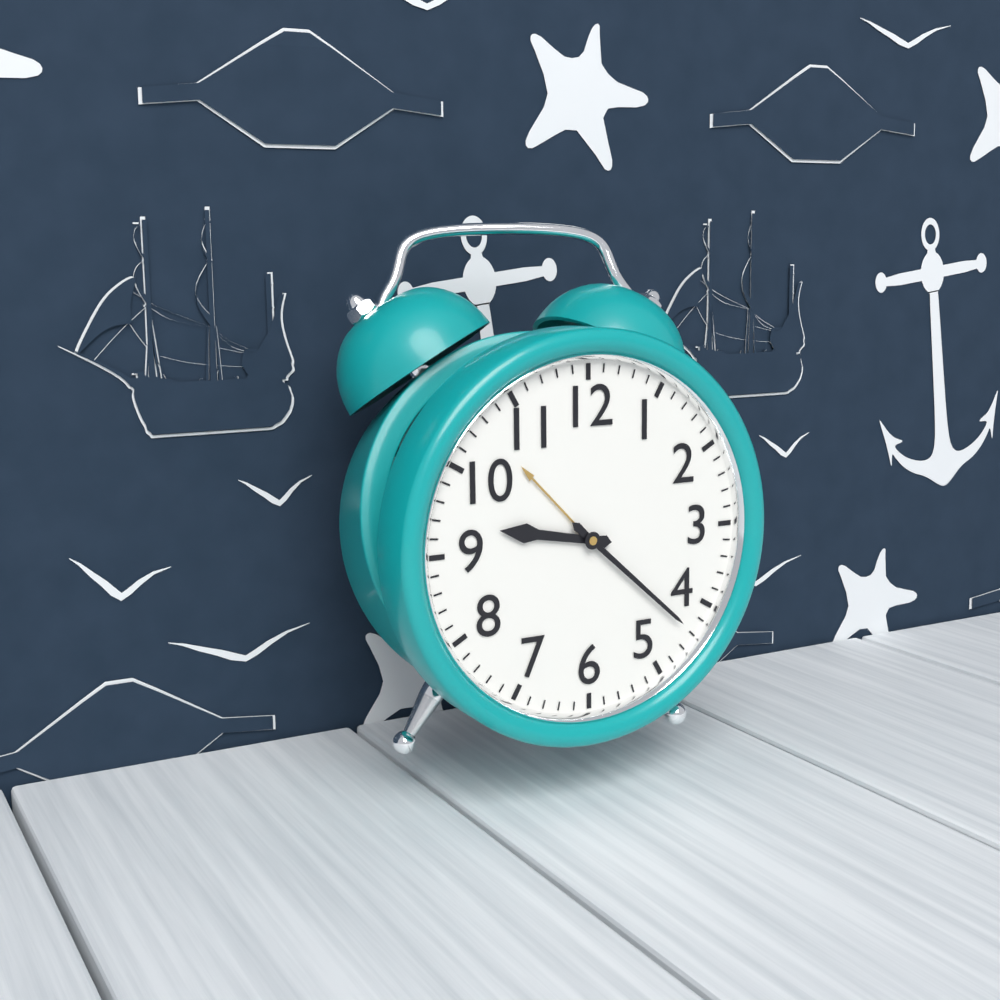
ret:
9,22
